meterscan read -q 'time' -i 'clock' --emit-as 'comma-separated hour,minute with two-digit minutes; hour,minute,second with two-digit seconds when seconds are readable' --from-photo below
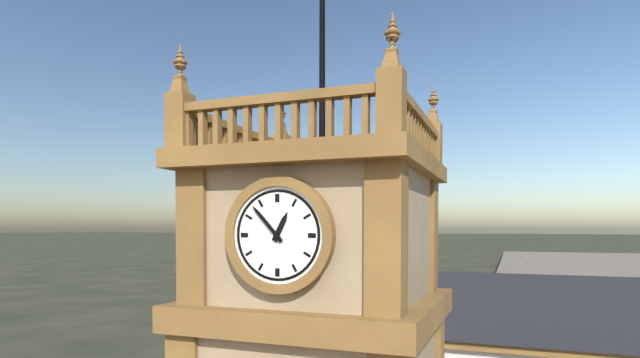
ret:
12,53
